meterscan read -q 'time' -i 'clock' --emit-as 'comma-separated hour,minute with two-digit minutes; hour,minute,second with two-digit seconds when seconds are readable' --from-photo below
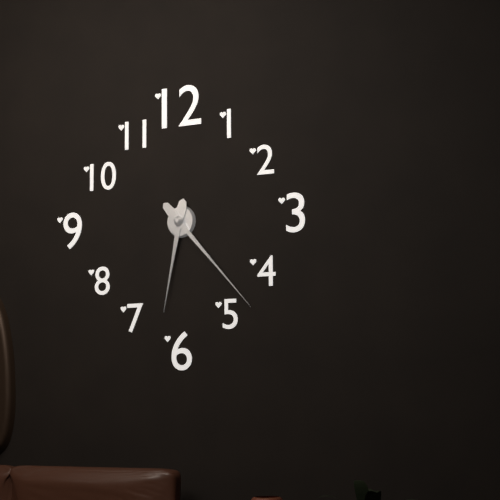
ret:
6,23
